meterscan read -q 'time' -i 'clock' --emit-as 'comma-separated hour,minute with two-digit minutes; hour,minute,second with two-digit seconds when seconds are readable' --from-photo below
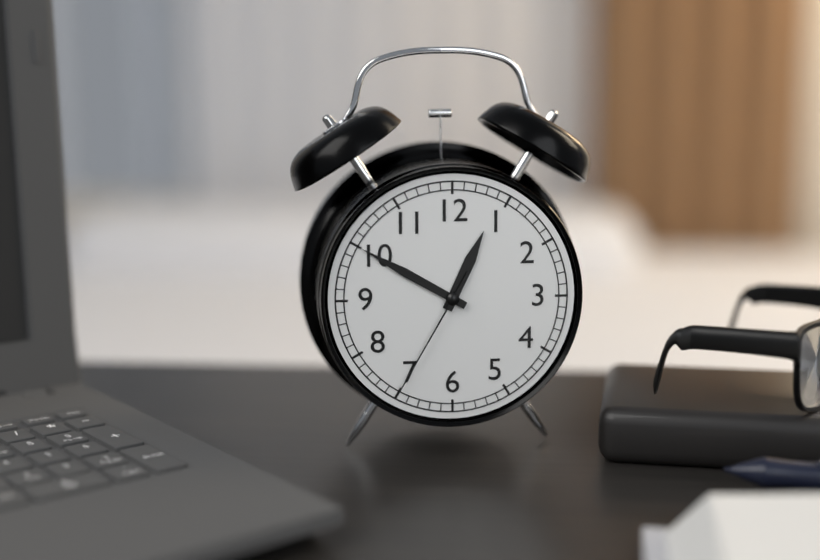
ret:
12,50,35
